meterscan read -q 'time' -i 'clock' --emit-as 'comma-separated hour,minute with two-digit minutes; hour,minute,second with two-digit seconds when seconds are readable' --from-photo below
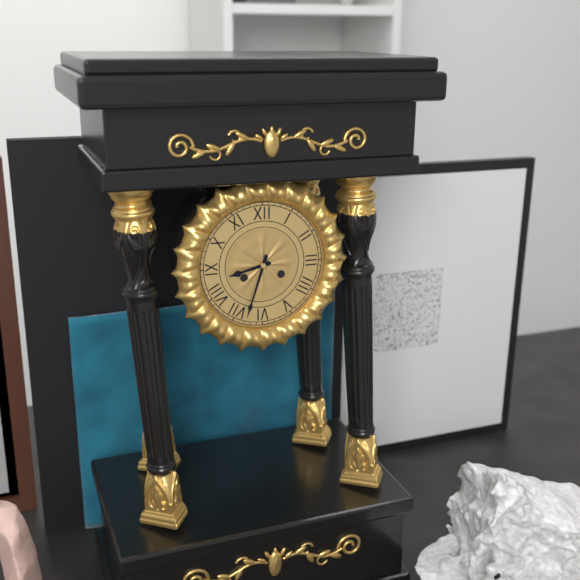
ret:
8,33
